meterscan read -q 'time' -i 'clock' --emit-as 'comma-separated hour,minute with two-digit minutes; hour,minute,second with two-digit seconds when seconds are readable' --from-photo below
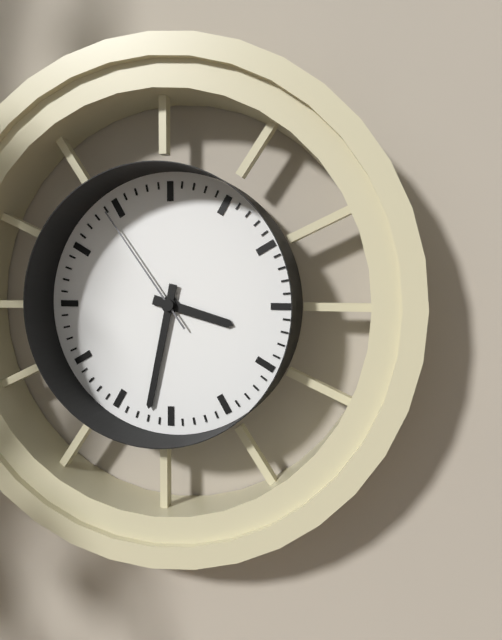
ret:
3,32,54
